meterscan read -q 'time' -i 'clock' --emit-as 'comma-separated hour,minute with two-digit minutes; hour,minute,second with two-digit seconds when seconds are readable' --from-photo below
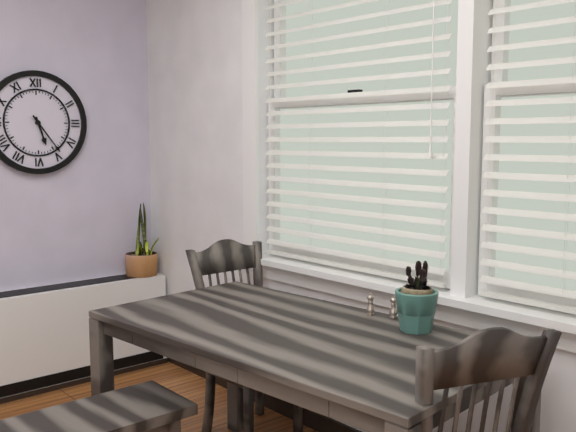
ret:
5,24
